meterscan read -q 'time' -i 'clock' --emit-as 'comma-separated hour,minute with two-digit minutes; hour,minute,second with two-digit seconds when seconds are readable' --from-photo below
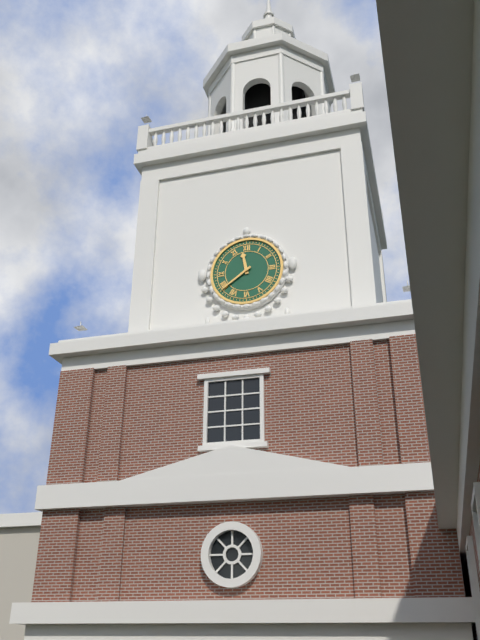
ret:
11,39
